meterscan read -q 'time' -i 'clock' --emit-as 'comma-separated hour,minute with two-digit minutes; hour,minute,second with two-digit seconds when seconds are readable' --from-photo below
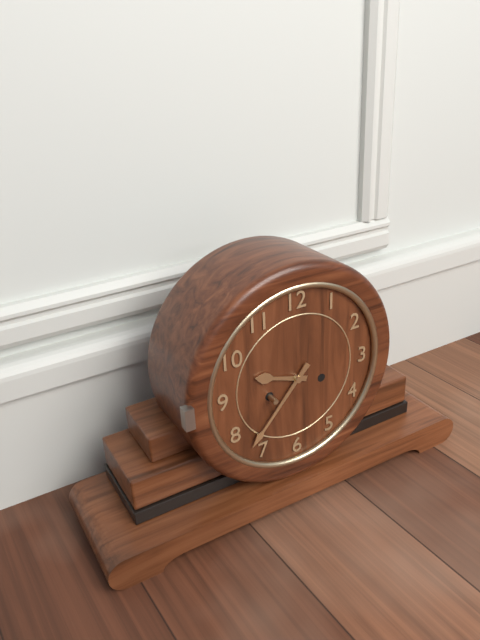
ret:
9,37
